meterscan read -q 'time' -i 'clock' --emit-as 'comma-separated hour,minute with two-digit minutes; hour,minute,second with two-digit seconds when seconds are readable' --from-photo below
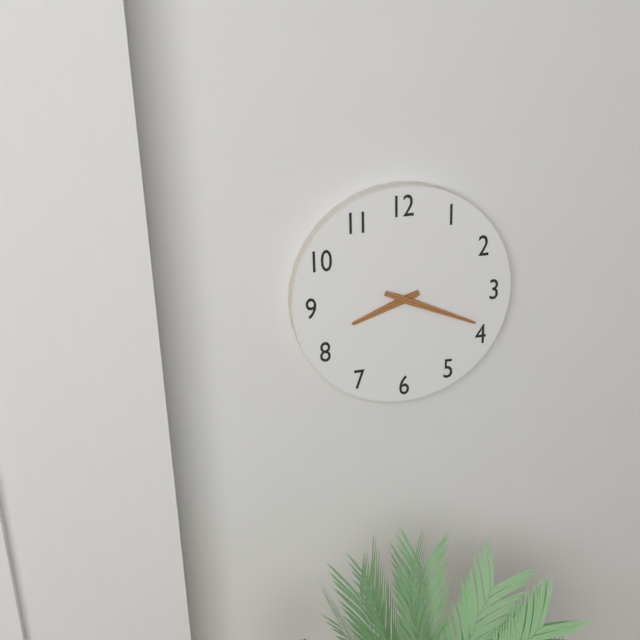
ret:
8,19
